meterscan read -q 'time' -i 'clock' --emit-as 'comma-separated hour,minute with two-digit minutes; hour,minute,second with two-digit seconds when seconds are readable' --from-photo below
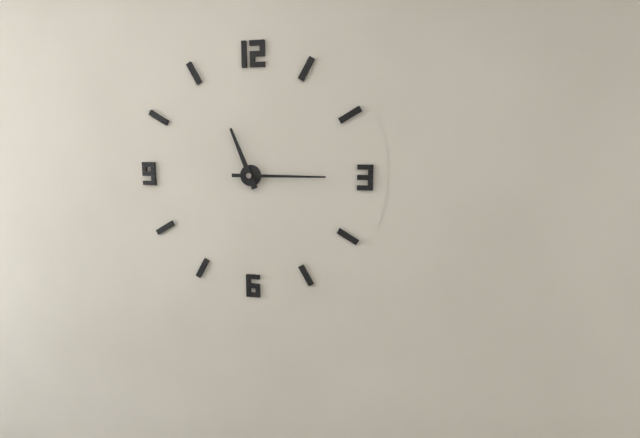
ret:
11,15
